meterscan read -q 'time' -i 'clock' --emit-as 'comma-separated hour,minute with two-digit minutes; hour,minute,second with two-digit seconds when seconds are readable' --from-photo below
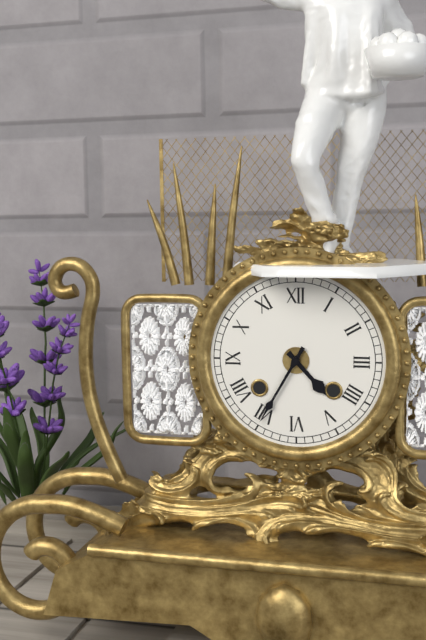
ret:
4,35
